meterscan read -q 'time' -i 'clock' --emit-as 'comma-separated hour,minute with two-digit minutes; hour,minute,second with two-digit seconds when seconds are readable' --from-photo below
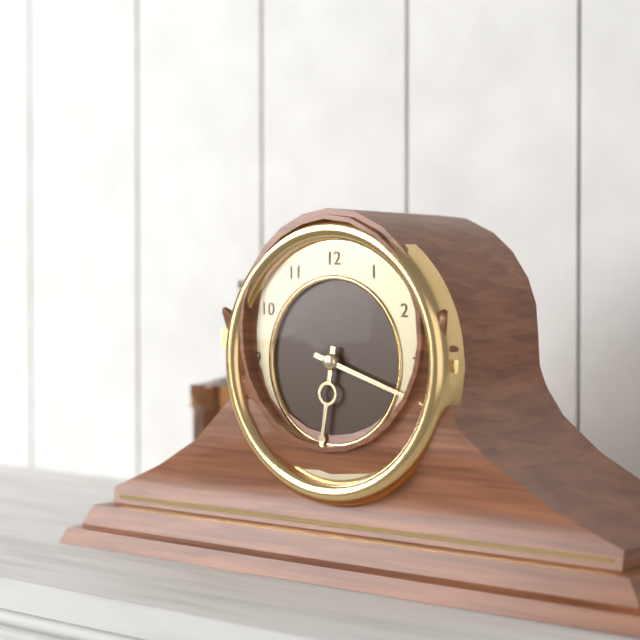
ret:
6,18
